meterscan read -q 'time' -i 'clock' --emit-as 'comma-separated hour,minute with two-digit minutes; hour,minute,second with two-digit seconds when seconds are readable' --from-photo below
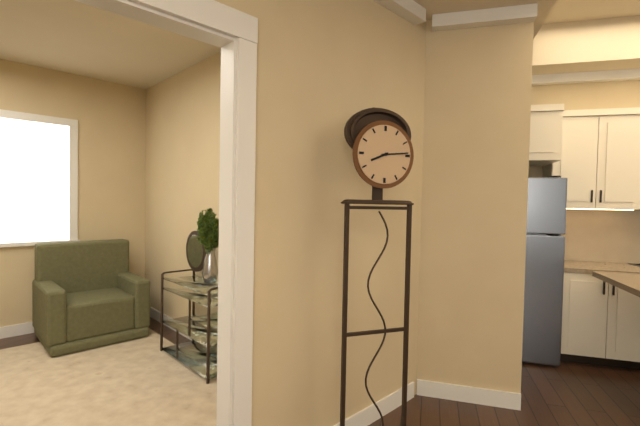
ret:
8,14
